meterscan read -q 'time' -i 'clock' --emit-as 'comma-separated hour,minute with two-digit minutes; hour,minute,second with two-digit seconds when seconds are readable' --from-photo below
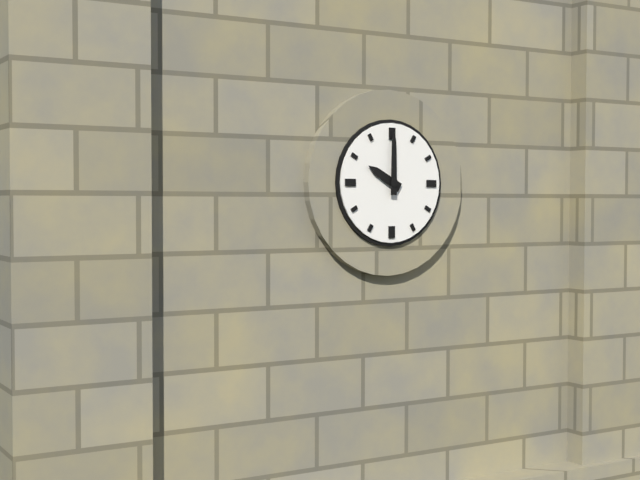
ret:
10,00
